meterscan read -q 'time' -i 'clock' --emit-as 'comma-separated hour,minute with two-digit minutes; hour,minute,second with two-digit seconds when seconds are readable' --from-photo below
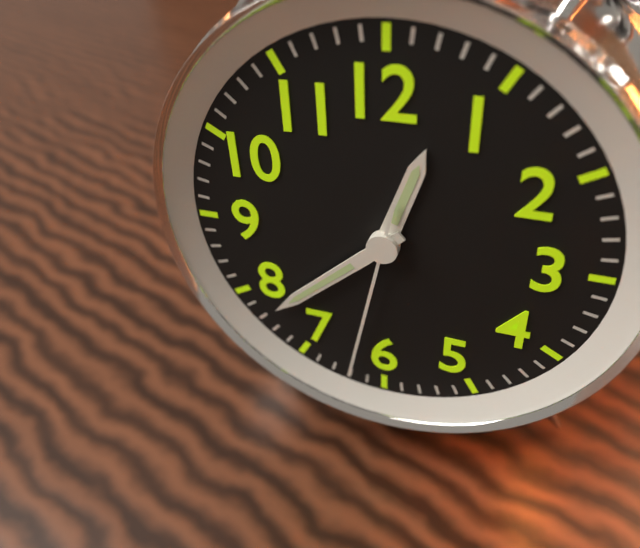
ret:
12,38,32
